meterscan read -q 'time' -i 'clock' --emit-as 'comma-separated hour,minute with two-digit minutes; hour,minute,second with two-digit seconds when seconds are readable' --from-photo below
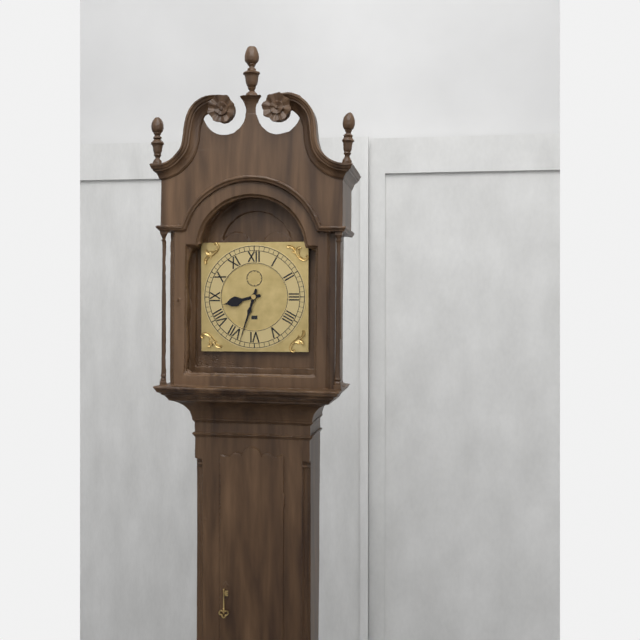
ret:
8,33
